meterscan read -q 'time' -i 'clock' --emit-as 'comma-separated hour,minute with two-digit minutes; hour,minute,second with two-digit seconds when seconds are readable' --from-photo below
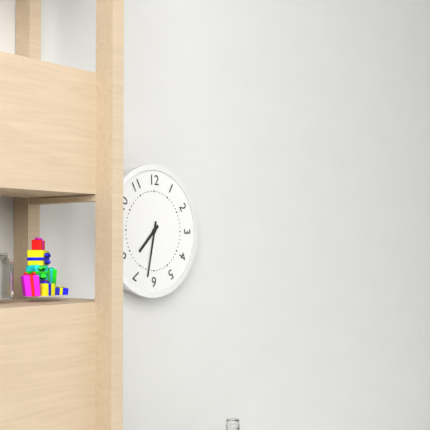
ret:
7,32
